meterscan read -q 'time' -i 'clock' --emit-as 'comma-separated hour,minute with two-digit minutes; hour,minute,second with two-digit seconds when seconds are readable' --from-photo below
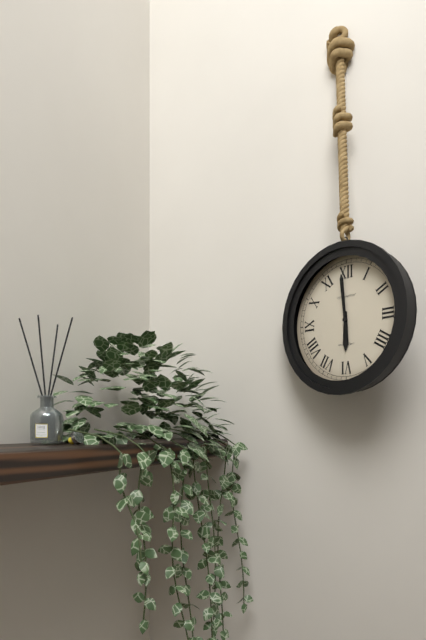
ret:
5,59
